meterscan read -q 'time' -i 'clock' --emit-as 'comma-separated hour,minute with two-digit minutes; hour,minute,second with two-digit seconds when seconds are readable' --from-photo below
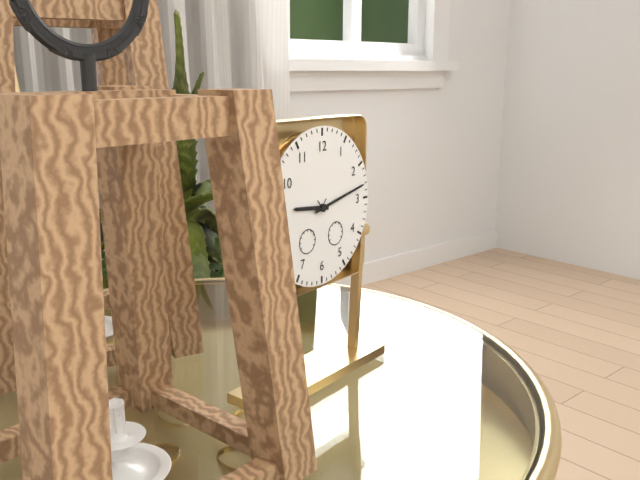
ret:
9,13
